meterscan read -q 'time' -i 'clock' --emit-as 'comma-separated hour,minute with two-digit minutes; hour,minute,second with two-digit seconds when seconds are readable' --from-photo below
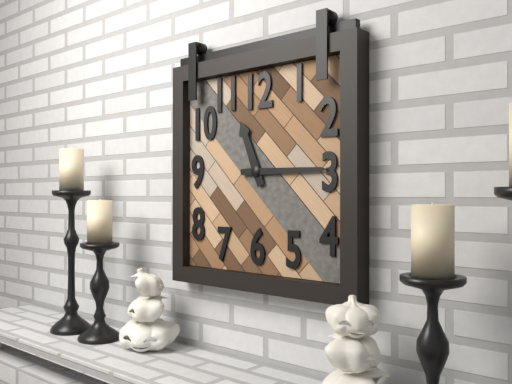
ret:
11,15
